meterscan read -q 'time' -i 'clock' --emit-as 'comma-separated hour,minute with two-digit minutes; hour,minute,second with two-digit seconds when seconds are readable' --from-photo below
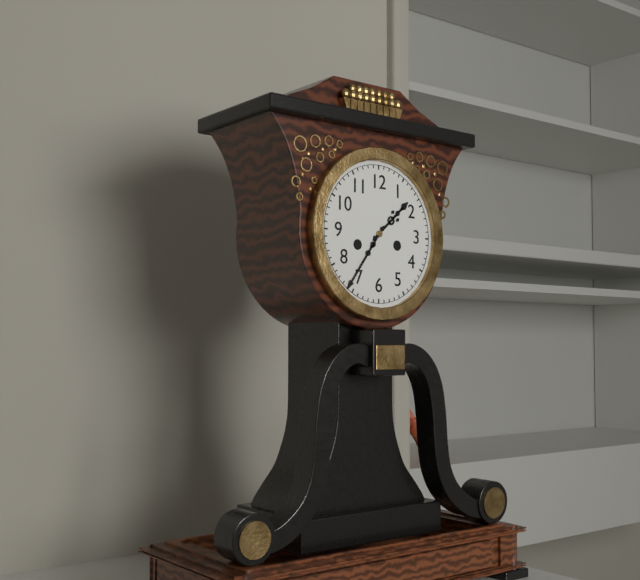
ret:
1,36
